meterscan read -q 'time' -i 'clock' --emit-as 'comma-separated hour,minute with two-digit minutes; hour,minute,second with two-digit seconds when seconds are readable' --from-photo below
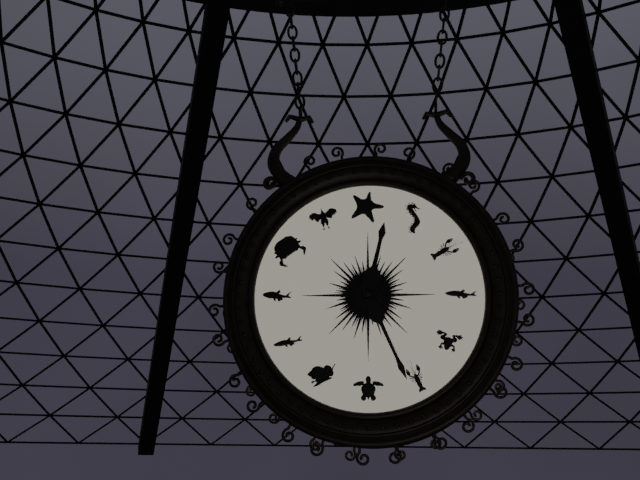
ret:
12,26
